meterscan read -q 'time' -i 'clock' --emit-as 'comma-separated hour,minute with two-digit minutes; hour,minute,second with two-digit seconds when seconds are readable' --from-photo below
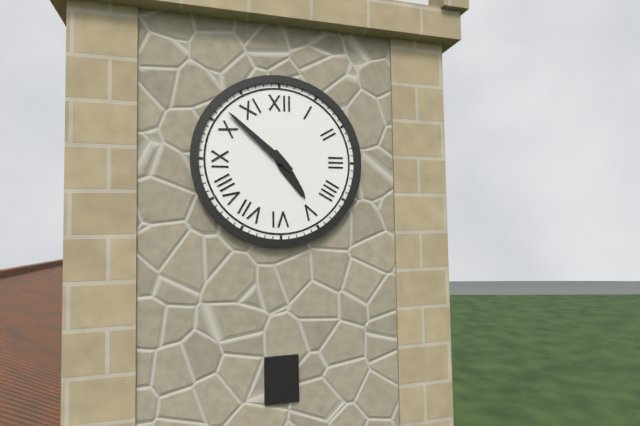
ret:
4,52
